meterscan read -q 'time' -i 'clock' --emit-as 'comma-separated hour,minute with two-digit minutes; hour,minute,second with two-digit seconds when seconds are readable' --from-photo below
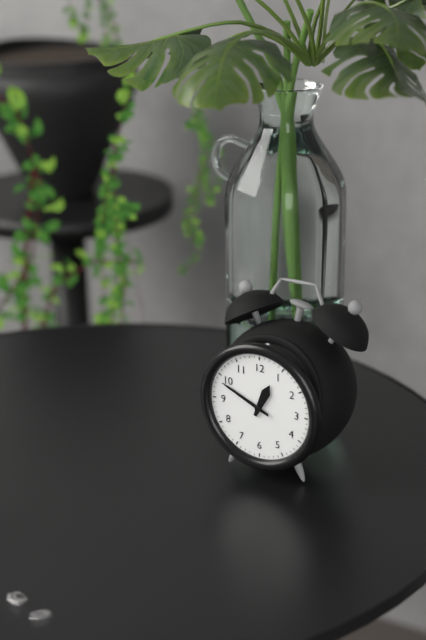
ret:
12,49
